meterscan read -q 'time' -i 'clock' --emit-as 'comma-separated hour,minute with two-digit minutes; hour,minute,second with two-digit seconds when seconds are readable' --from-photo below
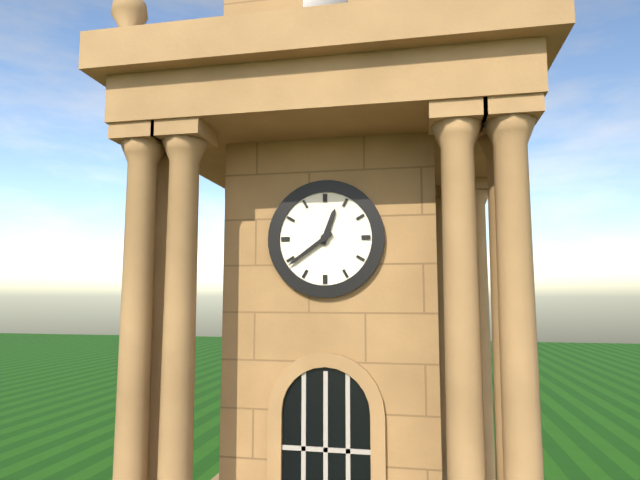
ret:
12,39
